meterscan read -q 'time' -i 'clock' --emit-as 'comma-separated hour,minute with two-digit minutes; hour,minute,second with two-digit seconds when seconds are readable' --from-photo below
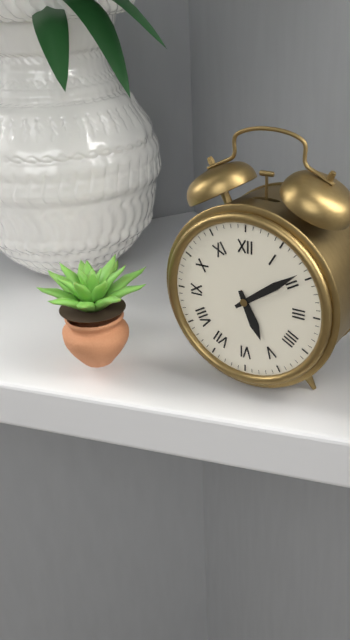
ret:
5,09
